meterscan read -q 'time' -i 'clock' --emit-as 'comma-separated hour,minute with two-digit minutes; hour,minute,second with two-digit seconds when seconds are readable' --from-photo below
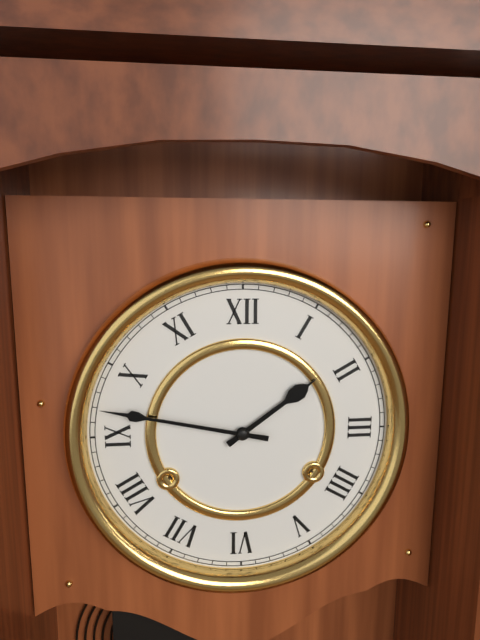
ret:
1,47
